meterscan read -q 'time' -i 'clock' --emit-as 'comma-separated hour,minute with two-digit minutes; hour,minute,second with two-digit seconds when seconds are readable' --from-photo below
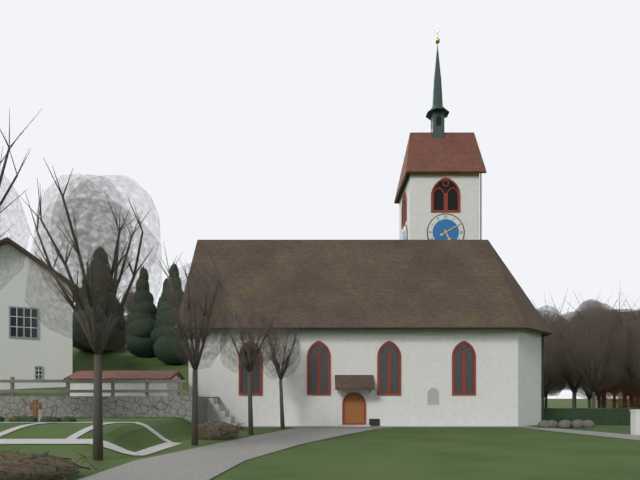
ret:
5,10
